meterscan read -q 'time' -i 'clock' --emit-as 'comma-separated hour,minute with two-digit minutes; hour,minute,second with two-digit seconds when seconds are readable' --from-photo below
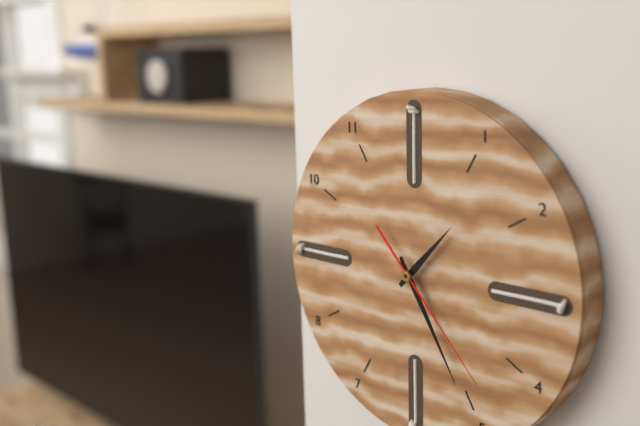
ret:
1,25,23
